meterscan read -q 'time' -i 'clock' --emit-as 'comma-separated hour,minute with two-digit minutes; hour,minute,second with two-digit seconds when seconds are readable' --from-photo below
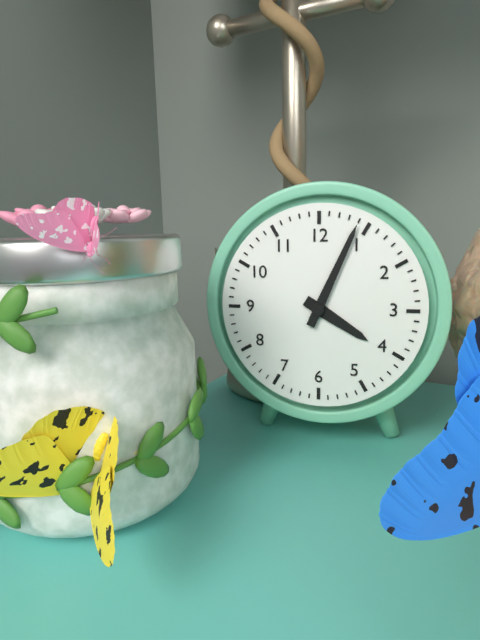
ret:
4,04
